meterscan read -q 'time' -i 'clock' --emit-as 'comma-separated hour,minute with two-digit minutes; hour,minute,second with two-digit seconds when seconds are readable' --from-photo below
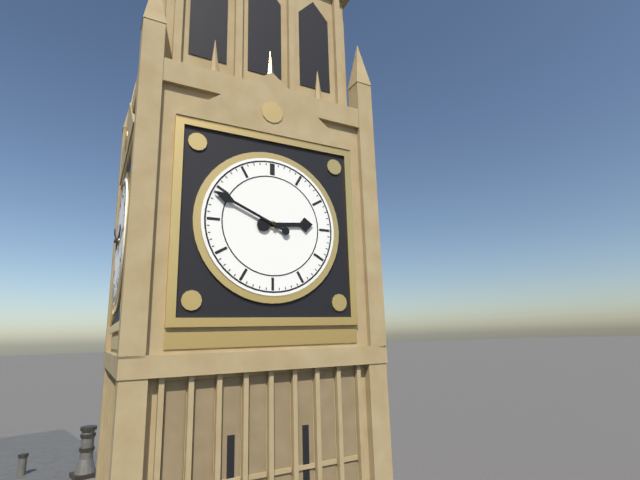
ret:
2,49
